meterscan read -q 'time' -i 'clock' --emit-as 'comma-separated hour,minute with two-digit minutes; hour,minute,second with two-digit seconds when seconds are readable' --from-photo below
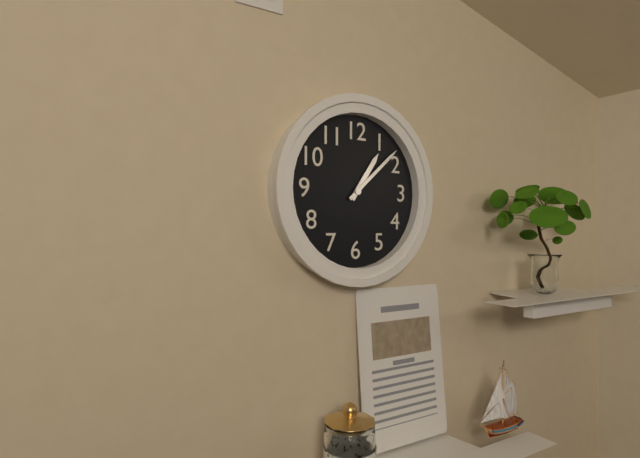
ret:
1,08
